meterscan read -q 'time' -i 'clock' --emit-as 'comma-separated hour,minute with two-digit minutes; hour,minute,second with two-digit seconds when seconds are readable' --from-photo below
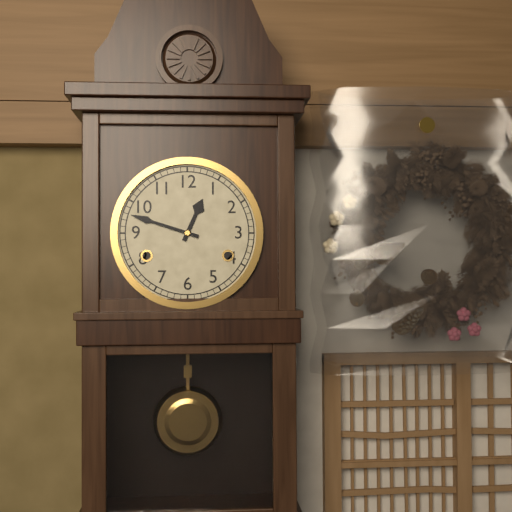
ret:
12,48
